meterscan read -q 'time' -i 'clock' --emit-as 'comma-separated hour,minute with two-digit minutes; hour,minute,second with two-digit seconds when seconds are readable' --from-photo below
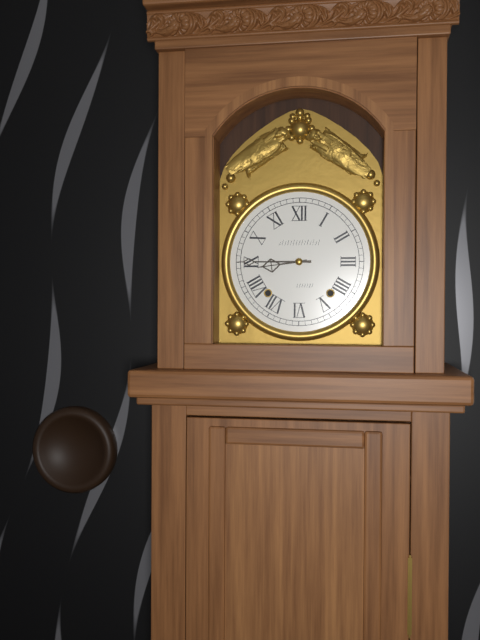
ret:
8,45
